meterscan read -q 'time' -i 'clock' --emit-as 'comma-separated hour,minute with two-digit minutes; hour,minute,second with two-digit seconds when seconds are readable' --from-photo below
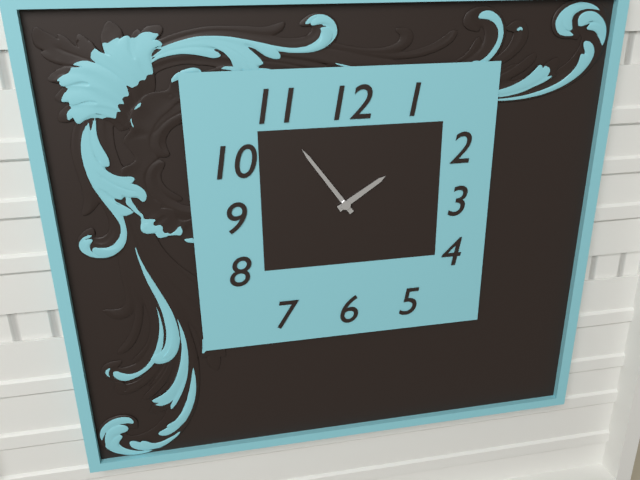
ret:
1,54
